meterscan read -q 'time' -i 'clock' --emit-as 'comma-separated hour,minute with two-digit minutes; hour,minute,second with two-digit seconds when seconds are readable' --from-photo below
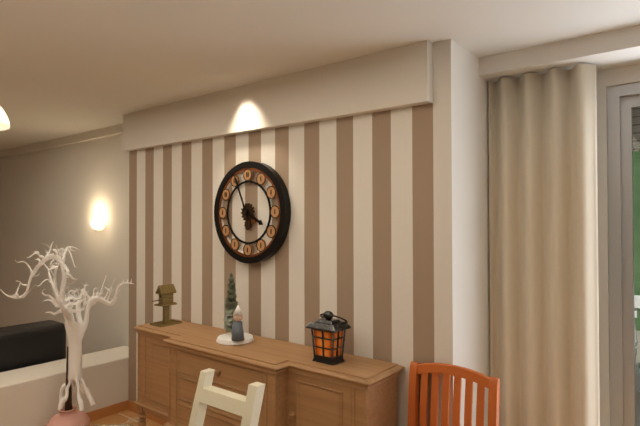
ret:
3,56
